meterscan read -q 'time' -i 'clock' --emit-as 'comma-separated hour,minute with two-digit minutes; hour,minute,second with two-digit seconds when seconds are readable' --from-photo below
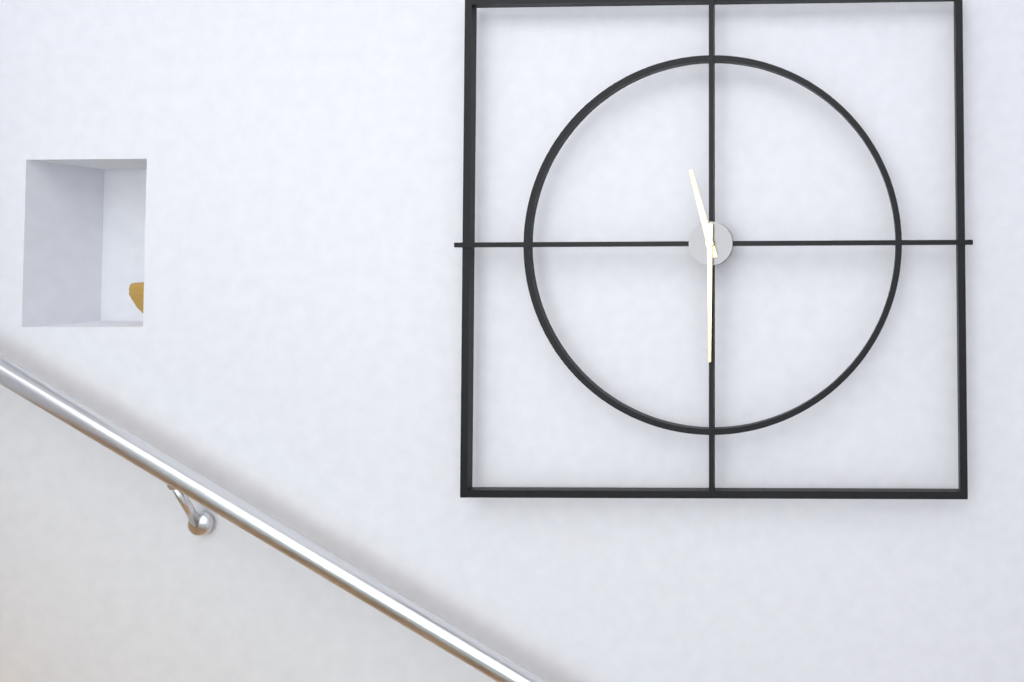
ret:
11,30
